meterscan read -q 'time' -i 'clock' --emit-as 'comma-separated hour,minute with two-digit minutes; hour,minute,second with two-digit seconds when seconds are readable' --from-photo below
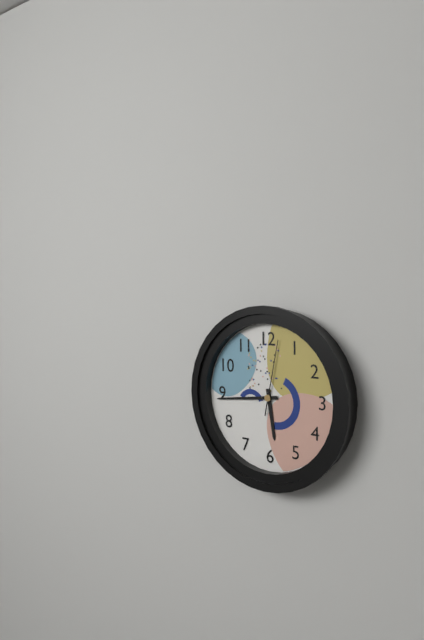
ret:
5,44,02
